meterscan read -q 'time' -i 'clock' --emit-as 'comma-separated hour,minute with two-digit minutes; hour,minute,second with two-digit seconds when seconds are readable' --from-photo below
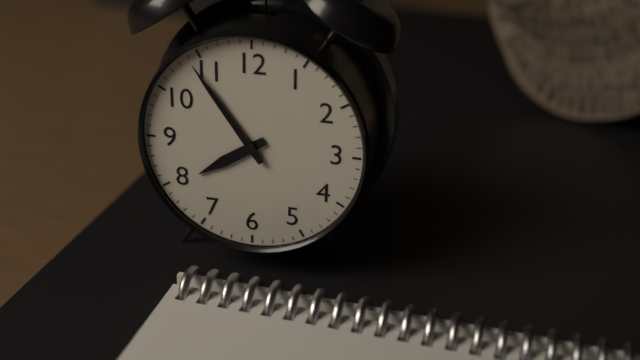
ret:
7,54
